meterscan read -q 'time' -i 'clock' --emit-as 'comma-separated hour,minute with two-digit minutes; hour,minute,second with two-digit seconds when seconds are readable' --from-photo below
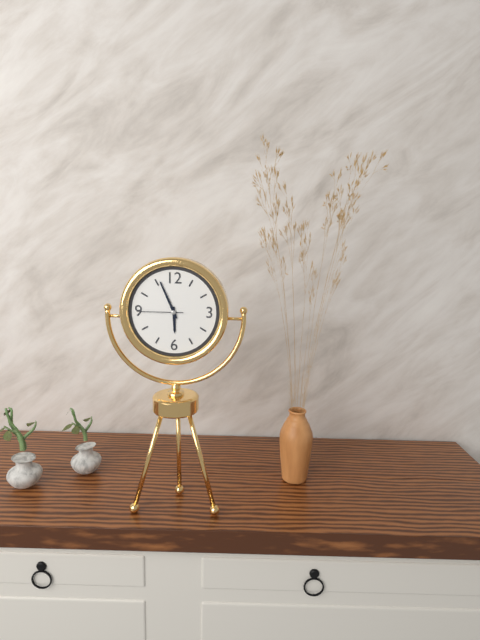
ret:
5,56
